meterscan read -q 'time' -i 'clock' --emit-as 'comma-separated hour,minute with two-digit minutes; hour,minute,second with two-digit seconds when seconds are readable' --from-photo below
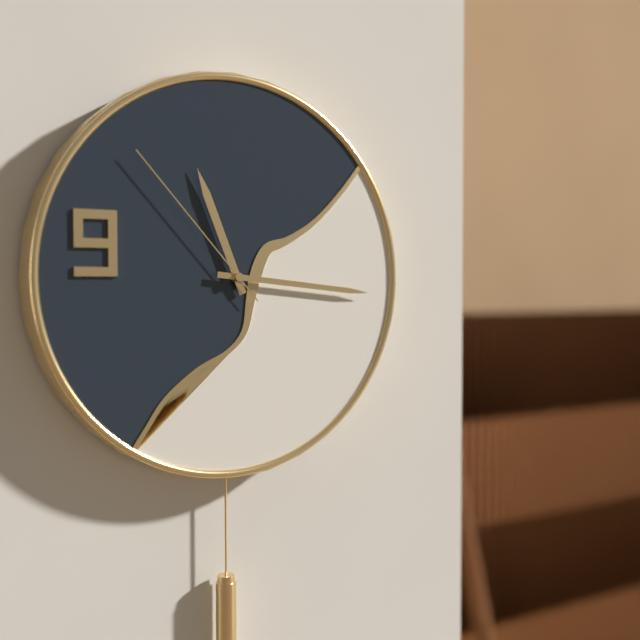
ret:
11,16,53
